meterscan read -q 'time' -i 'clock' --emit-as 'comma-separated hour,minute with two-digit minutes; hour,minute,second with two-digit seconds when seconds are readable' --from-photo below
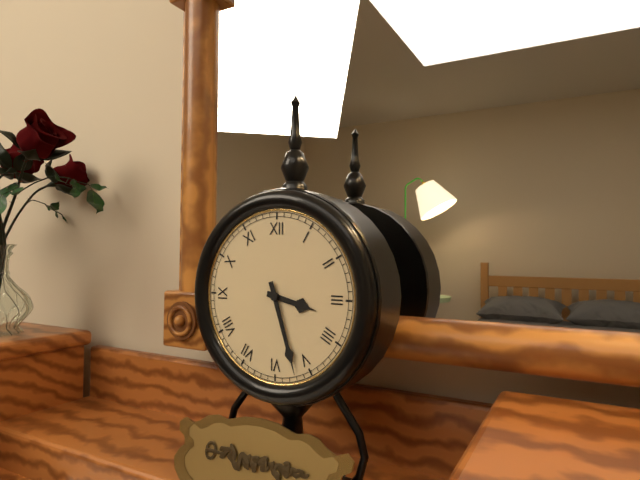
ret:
3,27
